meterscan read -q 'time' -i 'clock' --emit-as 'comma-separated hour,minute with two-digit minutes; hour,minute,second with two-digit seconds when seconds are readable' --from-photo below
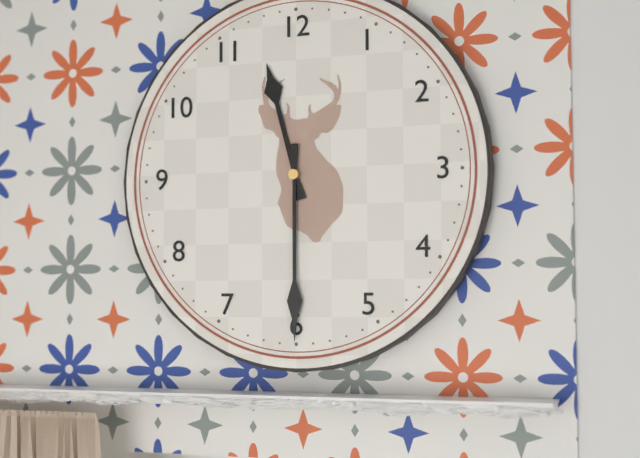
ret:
11,30
